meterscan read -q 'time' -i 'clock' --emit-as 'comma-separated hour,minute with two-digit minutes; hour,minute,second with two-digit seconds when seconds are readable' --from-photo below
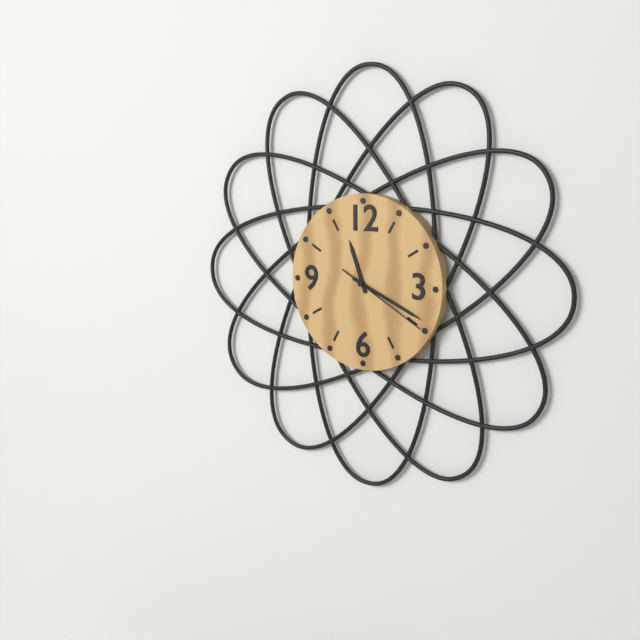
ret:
11,19,20
